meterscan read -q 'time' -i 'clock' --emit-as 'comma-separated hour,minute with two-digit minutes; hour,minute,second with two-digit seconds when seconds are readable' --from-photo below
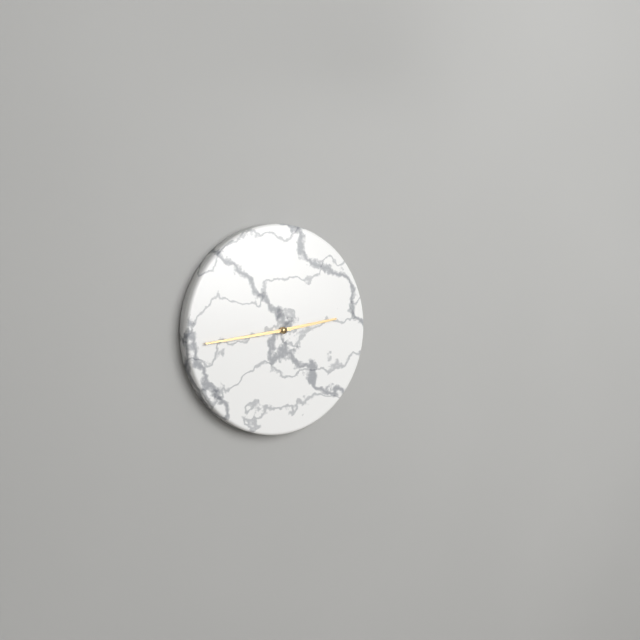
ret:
2,44
